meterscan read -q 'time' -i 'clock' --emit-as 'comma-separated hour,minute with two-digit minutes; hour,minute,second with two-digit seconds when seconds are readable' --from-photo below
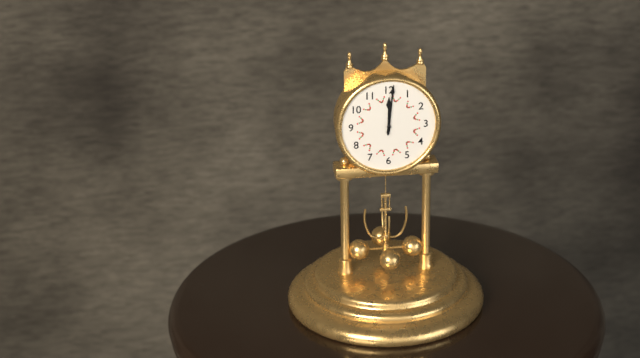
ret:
12,01
